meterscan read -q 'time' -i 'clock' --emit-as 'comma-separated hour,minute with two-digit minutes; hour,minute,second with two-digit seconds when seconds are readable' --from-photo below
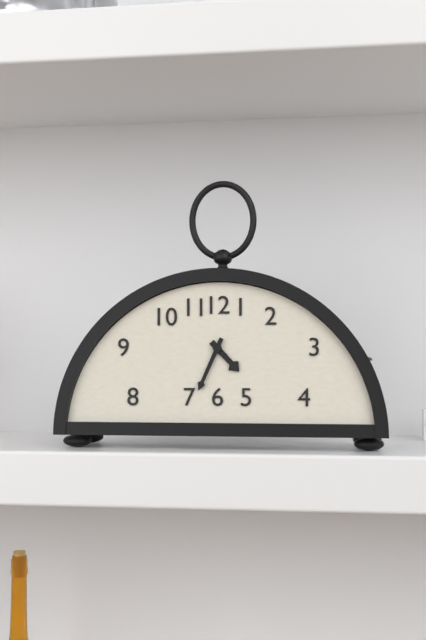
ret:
4,34
